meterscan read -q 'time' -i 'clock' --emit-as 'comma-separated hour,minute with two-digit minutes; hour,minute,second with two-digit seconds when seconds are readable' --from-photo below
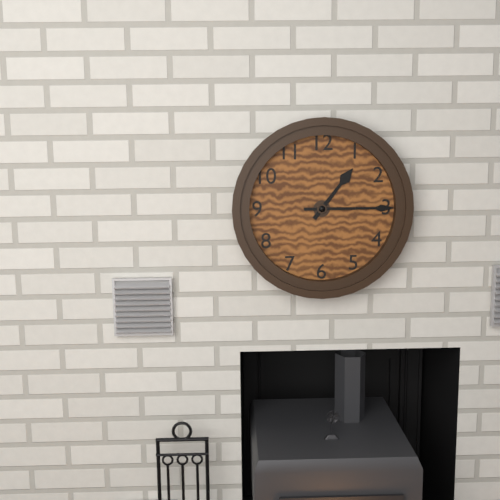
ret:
1,15
